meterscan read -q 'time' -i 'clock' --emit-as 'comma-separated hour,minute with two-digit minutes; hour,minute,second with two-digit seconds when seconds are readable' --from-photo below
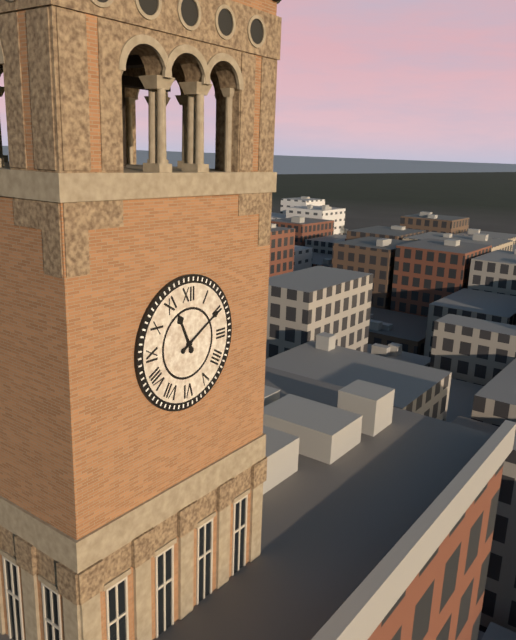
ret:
11,10
